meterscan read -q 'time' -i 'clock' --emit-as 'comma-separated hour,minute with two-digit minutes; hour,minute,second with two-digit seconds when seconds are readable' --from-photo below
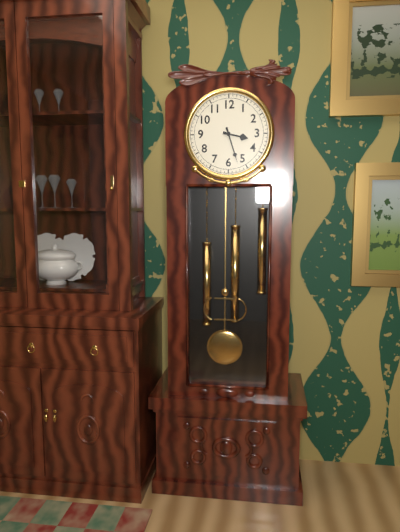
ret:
3,27
